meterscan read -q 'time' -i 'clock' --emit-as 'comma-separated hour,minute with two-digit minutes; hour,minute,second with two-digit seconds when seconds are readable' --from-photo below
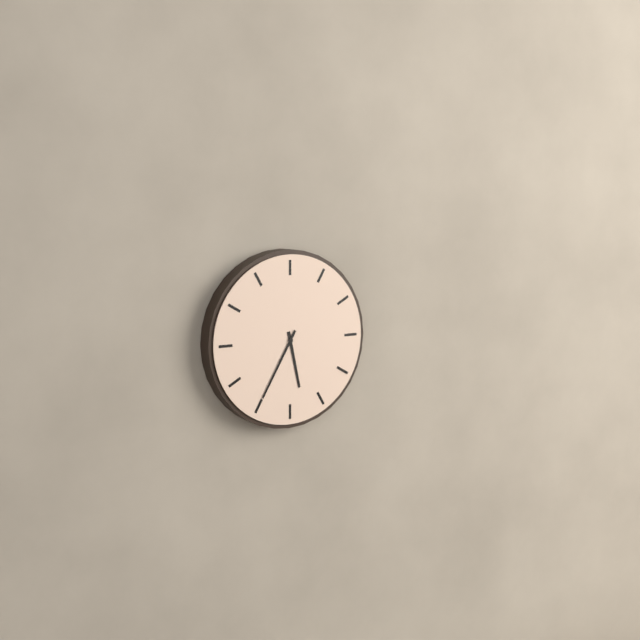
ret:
5,35
